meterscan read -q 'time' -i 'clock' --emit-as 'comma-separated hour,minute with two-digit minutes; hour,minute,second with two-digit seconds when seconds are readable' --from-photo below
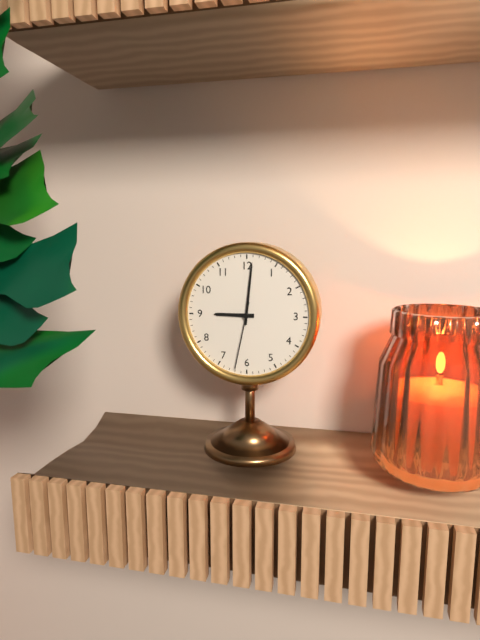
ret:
9,01,32
